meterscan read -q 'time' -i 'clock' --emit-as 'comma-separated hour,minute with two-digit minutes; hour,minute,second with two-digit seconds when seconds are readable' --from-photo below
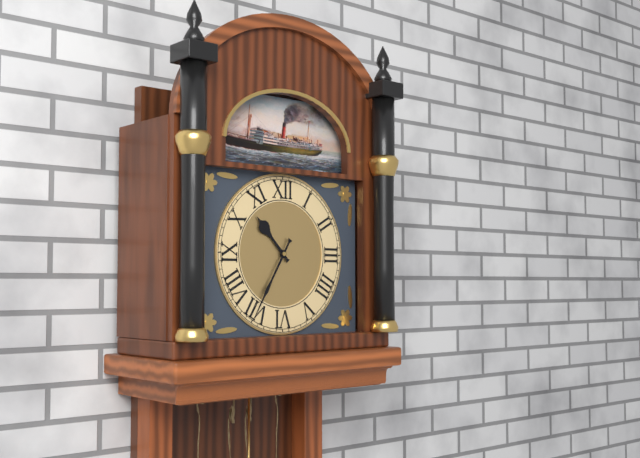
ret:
10,35
